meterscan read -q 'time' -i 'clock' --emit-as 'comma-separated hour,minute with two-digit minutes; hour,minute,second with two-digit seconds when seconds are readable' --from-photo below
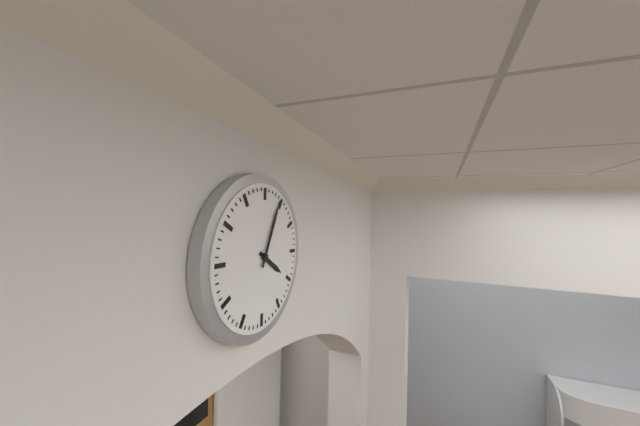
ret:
4,04
